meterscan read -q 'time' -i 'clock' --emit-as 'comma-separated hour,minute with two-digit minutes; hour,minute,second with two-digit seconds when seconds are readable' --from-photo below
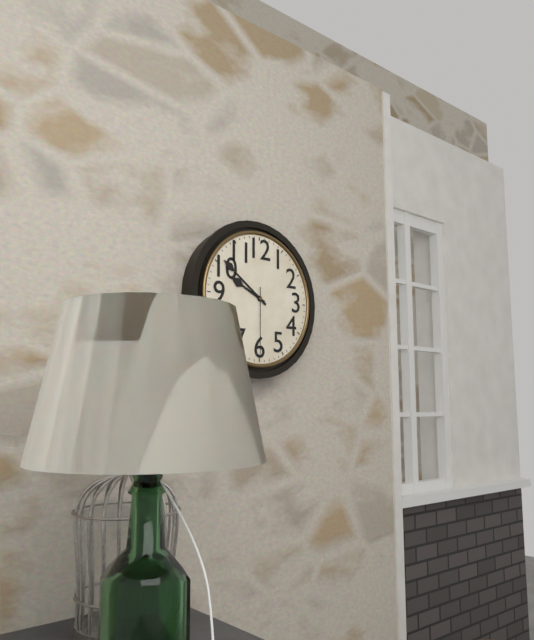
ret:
9,51,30
